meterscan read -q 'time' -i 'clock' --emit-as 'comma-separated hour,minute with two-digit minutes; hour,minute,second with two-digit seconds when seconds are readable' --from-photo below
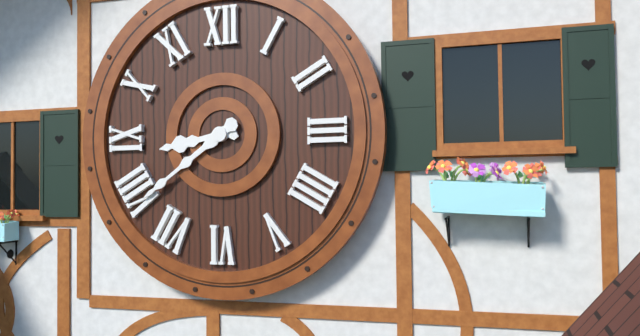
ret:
8,39
